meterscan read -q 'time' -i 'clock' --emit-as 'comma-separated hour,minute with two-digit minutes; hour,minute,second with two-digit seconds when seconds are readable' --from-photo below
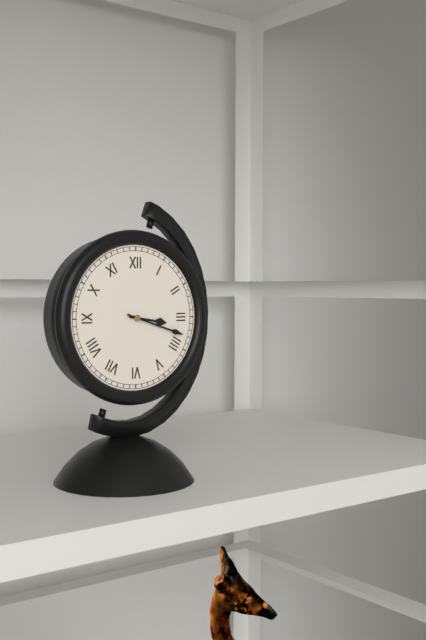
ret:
3,18
